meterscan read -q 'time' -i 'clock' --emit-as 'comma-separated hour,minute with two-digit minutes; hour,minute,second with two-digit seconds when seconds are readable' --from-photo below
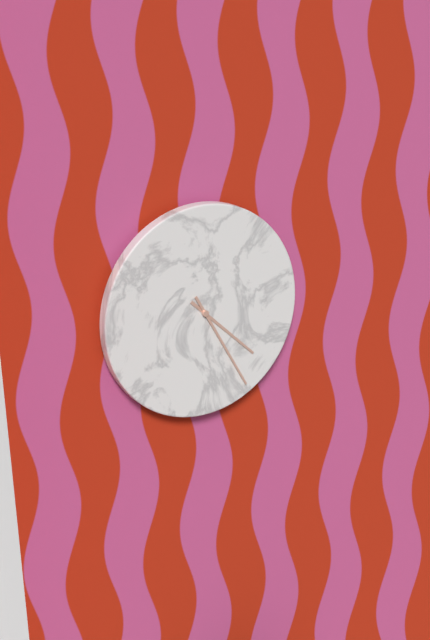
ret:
4,25
